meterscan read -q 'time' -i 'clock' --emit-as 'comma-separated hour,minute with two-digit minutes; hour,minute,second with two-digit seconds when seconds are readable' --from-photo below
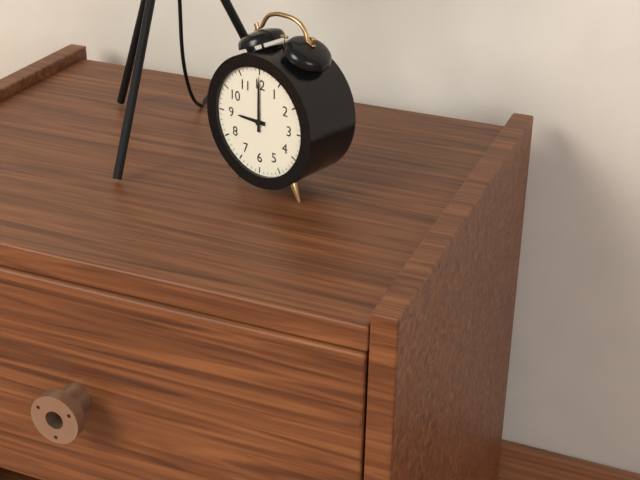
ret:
9,00
